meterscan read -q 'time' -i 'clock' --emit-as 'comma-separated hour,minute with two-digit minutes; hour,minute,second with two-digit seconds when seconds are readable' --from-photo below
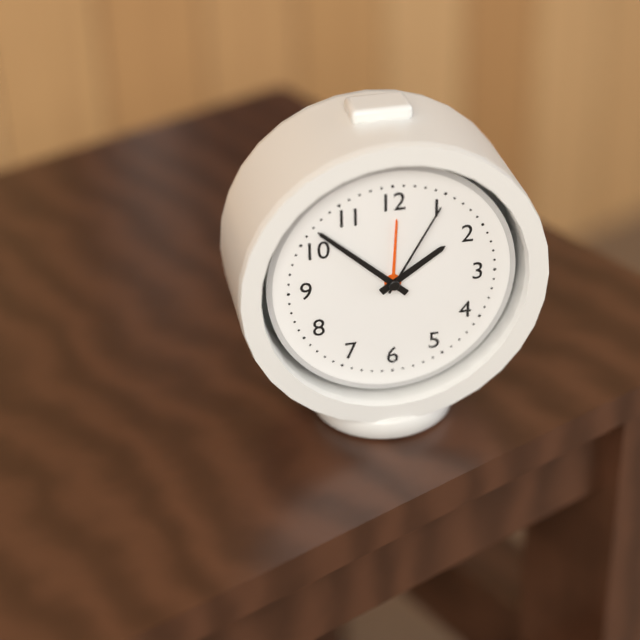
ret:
1,52,05
